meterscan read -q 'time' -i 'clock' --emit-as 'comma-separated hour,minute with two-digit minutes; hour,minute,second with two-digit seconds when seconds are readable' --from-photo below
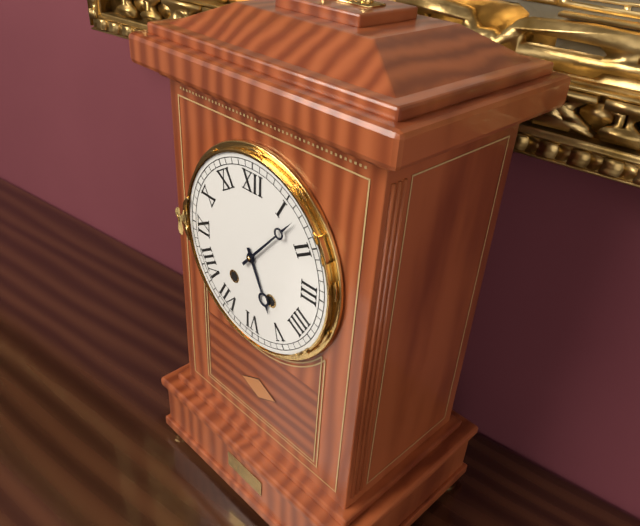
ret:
5,07
